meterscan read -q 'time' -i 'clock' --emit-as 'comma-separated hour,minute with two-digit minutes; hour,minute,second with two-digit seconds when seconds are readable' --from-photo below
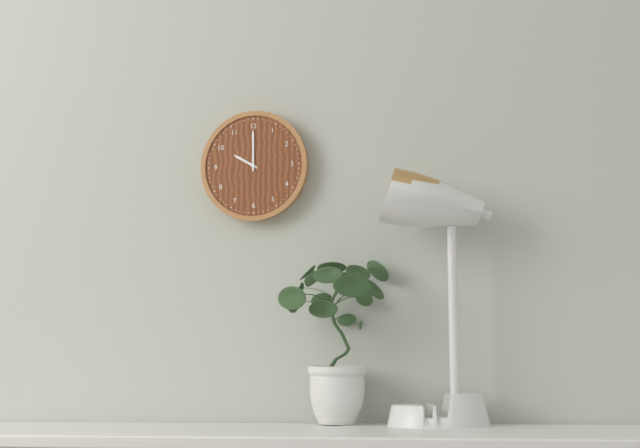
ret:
10,00
